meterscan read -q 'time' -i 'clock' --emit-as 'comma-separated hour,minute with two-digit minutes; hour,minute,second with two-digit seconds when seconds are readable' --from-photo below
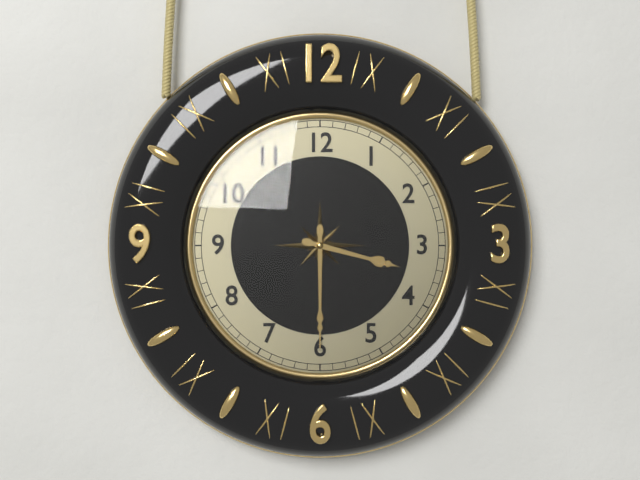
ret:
3,30
